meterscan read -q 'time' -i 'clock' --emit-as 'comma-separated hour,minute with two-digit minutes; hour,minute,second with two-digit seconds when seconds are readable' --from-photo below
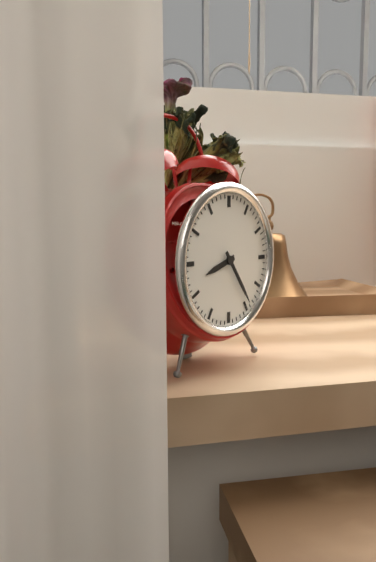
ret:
8,24
